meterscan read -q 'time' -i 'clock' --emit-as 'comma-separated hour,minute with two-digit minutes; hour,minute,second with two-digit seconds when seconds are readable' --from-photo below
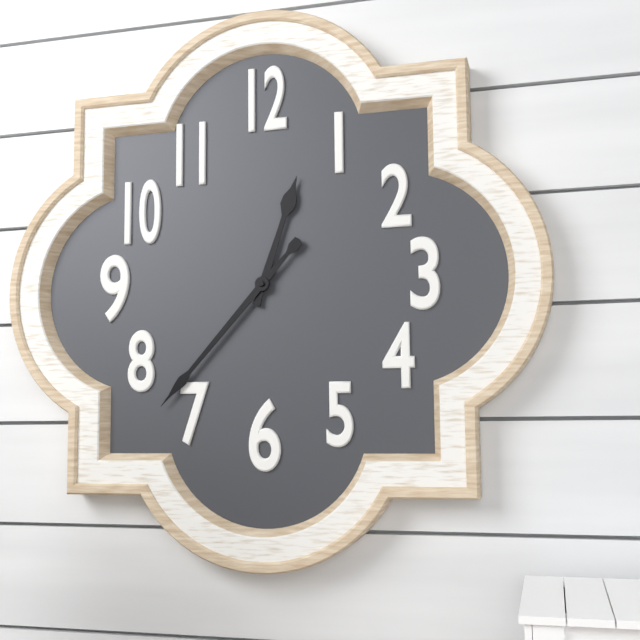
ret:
12,37
